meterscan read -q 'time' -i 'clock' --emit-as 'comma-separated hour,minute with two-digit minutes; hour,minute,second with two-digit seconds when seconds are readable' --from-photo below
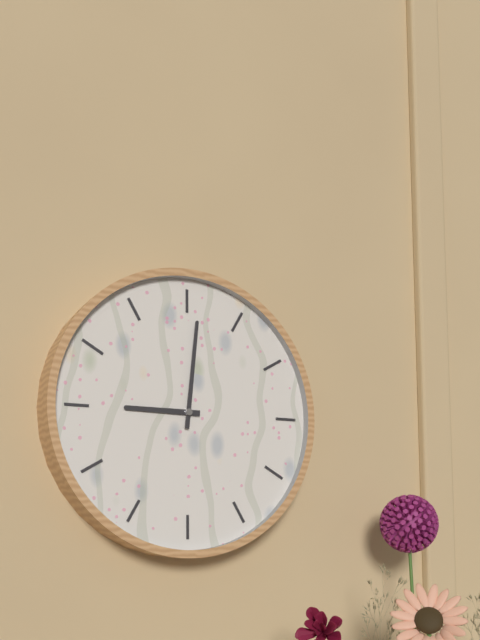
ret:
9,01
